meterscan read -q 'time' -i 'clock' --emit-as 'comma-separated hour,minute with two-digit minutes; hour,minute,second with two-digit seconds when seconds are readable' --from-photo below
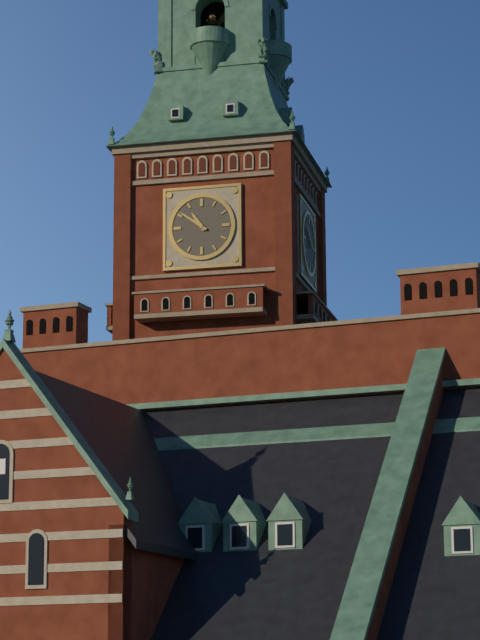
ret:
10,51
